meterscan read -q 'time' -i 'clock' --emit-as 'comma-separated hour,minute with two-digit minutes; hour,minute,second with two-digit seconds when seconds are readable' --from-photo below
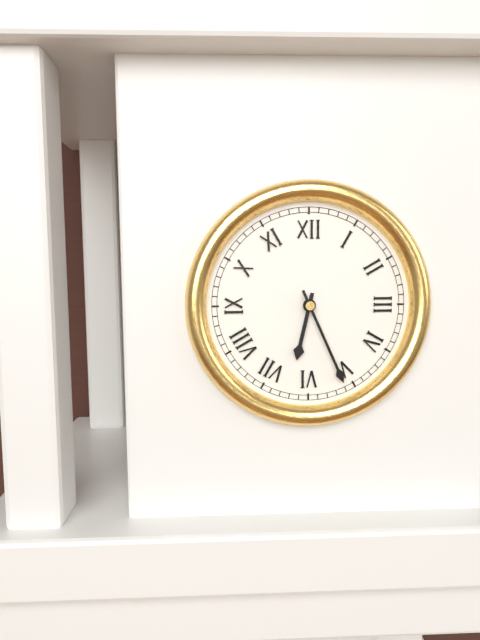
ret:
6,26
